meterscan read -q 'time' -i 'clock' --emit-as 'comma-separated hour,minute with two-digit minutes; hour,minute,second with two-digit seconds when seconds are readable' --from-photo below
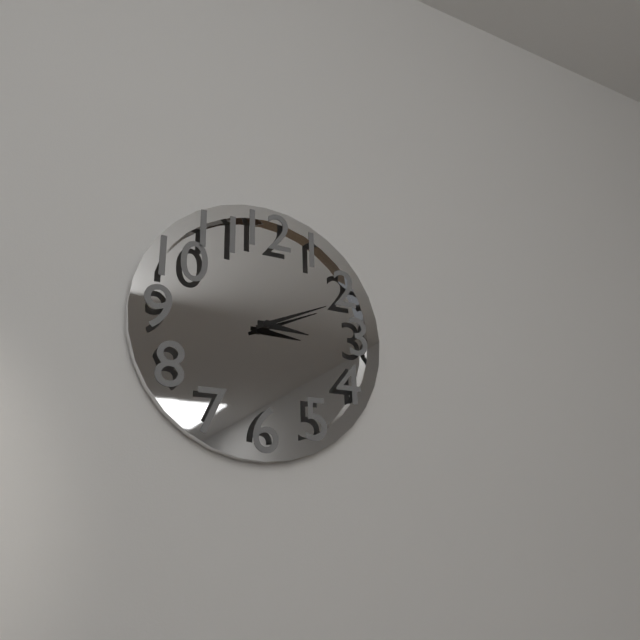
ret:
3,11
